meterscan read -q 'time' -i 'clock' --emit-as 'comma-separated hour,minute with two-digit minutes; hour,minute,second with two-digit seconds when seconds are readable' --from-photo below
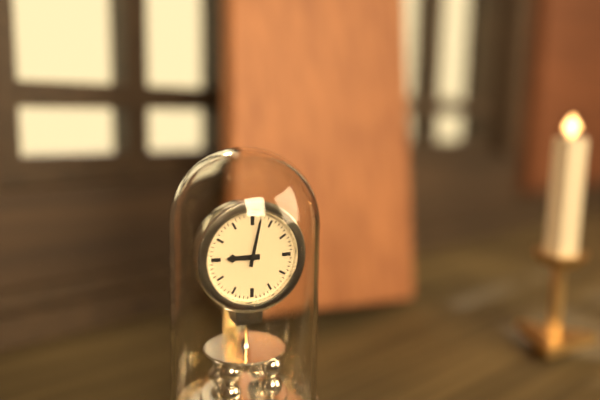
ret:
9,02
